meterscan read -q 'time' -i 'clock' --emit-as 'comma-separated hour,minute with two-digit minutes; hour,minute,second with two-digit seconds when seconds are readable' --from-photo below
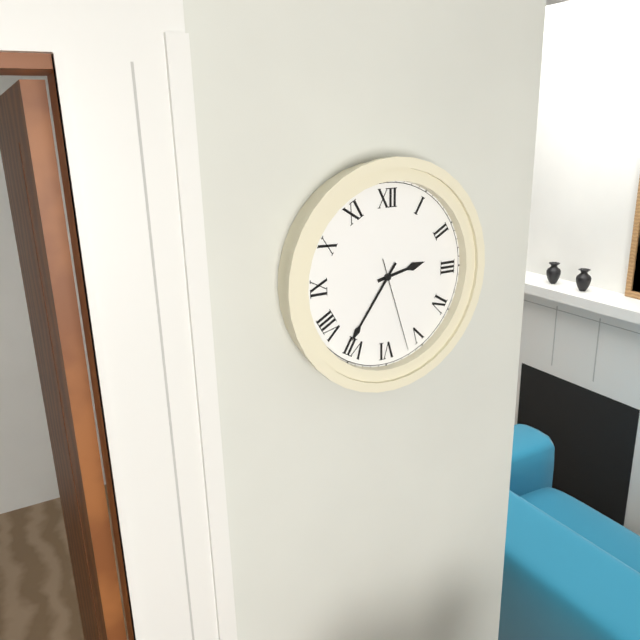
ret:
2,36,27
